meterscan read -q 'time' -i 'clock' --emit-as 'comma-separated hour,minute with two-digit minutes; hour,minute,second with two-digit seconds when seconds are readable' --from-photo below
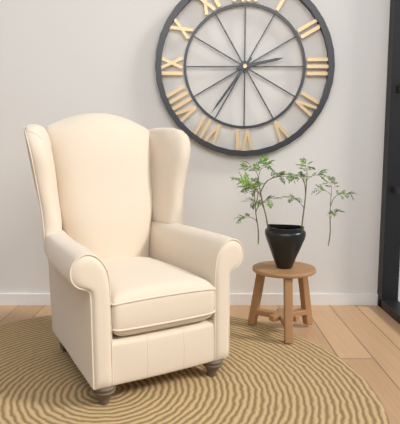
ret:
2,36
